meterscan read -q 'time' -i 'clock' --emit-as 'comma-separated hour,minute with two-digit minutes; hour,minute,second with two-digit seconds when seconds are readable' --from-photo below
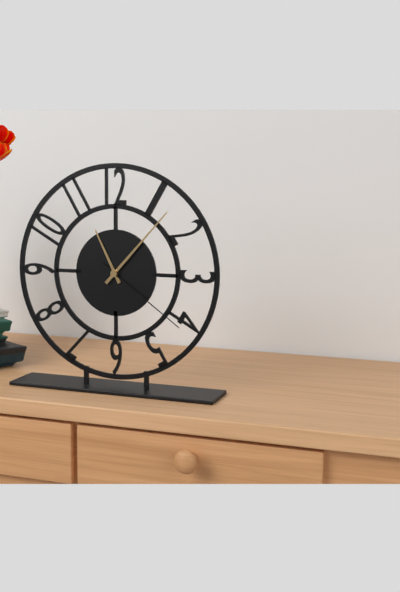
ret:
11,07,21
